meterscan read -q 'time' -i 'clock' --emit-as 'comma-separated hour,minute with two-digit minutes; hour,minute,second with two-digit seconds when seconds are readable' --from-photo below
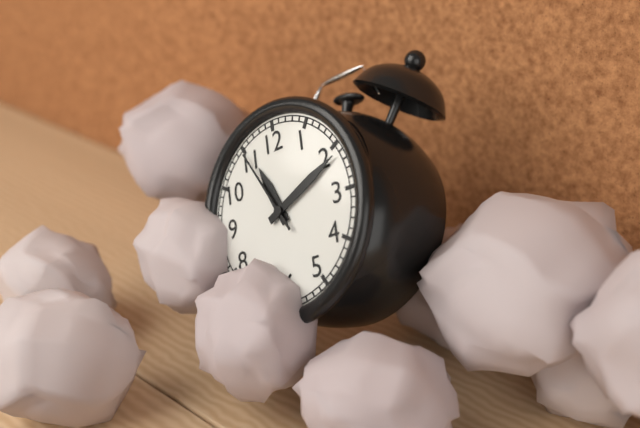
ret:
11,11,55
